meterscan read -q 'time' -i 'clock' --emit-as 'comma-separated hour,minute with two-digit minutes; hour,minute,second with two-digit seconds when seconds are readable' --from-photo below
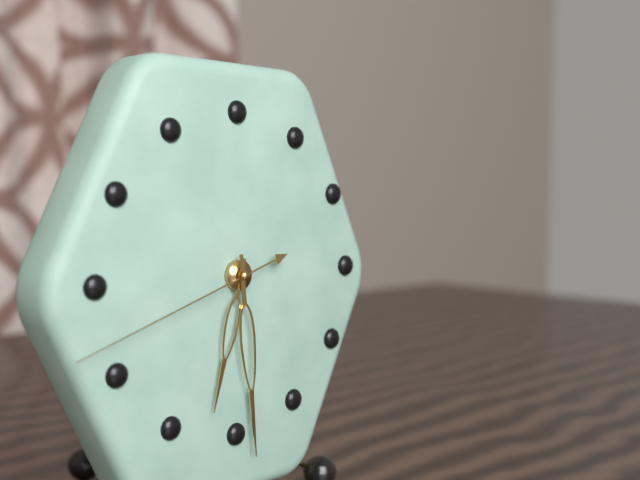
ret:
6,29,42
